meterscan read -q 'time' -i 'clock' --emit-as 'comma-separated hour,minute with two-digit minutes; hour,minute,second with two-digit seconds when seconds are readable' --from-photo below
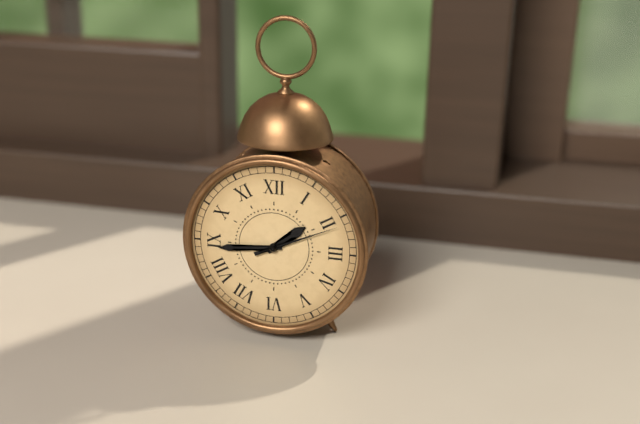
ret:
1,44,11
